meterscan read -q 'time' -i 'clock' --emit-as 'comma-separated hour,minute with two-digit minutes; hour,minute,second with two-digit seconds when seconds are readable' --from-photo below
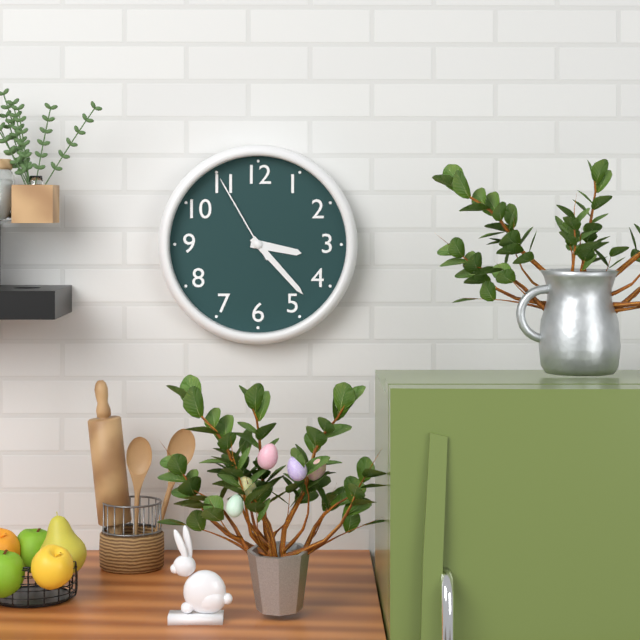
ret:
3,23,55
